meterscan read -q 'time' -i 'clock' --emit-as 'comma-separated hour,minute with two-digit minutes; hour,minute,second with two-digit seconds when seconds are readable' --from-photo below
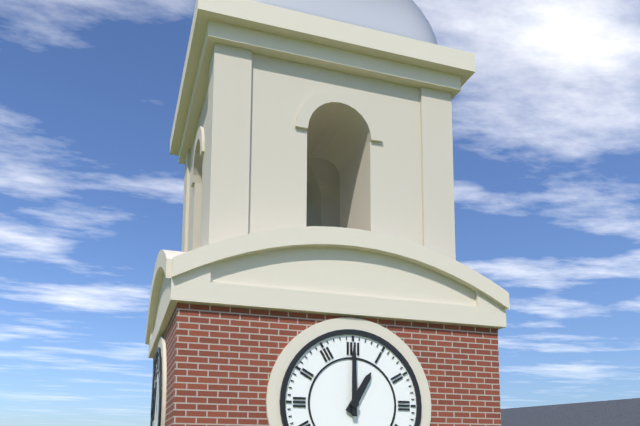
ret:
1,00
